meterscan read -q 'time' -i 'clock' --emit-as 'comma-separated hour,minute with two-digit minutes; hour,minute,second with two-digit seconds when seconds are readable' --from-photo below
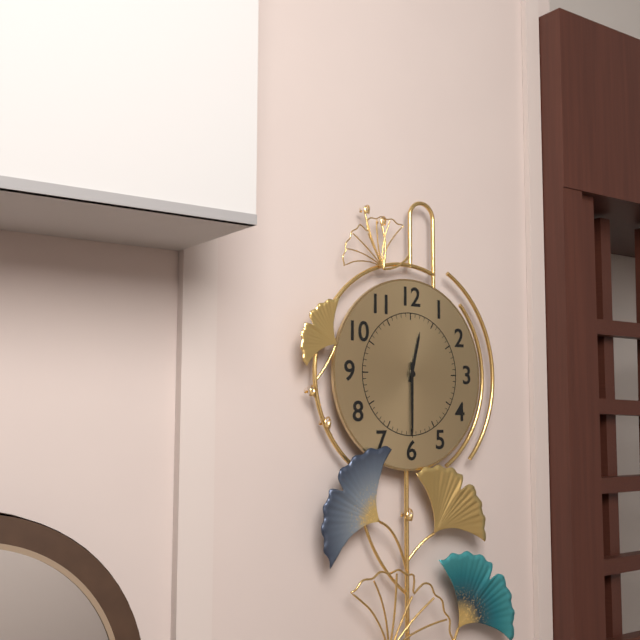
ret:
12,30
